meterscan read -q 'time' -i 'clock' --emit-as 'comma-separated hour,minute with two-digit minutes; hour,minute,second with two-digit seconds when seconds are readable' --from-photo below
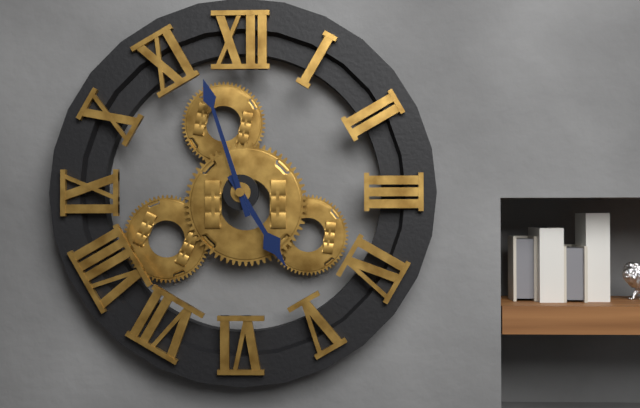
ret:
4,57
